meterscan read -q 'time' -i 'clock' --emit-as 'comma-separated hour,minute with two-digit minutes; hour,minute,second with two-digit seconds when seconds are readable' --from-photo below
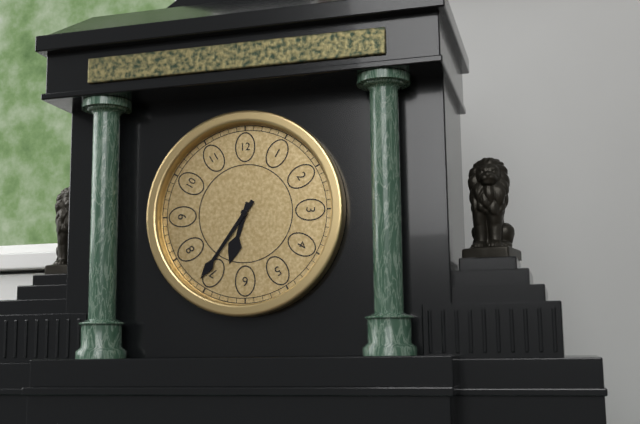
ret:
6,36
